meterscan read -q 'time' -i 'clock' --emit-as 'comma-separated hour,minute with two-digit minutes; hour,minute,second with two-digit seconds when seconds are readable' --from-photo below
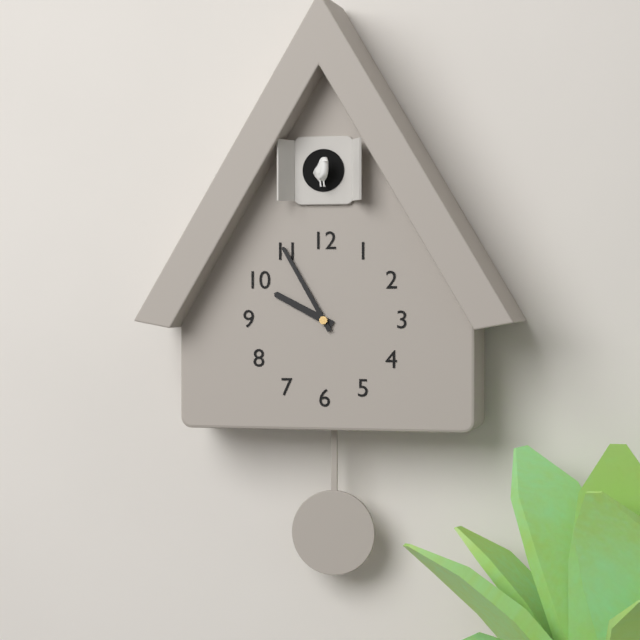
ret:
9,55
